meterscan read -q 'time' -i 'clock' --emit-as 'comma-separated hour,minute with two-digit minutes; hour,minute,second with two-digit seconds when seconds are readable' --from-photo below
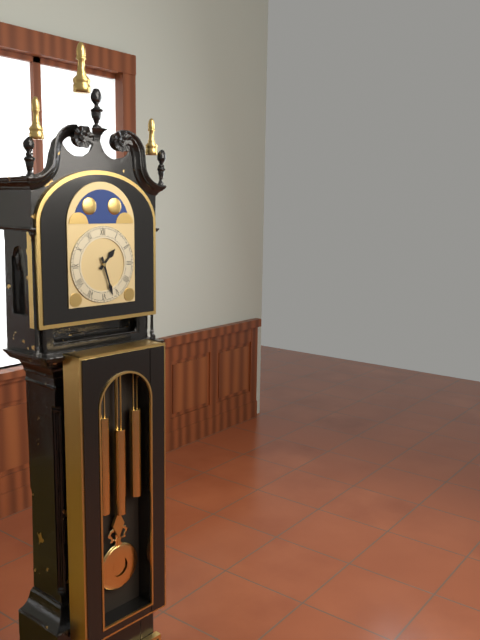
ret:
1,27
